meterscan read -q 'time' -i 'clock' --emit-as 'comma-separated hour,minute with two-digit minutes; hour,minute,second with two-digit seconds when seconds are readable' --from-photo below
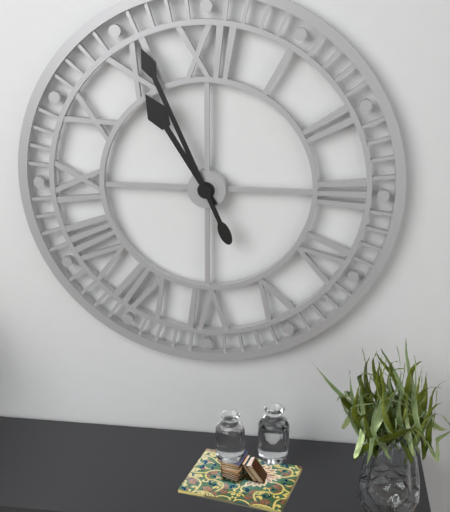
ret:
10,56
